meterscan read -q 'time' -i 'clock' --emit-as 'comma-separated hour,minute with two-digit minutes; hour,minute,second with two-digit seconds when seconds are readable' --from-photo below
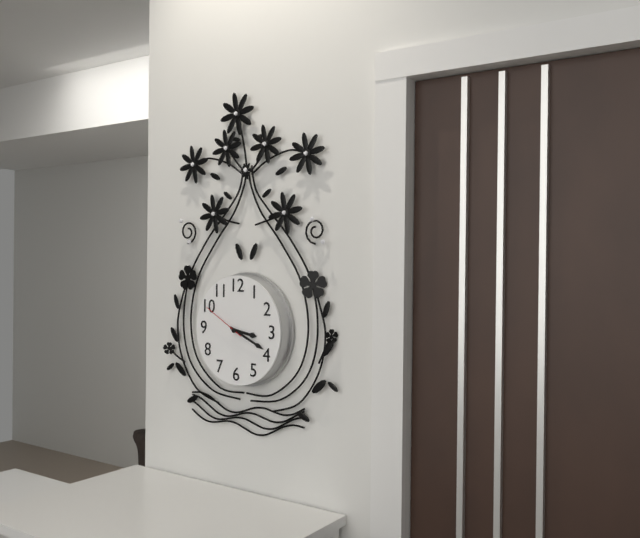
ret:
3,19
